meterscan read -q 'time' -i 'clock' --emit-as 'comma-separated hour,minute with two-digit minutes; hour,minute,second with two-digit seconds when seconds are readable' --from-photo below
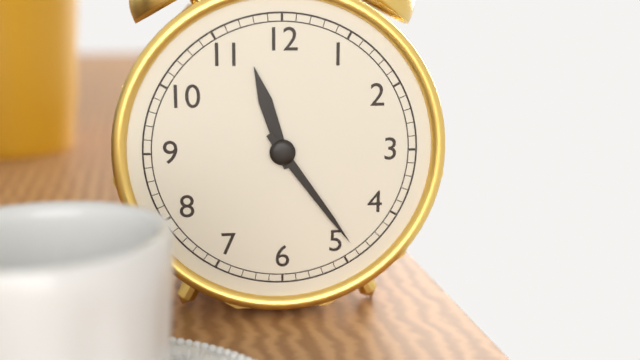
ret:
11,24
